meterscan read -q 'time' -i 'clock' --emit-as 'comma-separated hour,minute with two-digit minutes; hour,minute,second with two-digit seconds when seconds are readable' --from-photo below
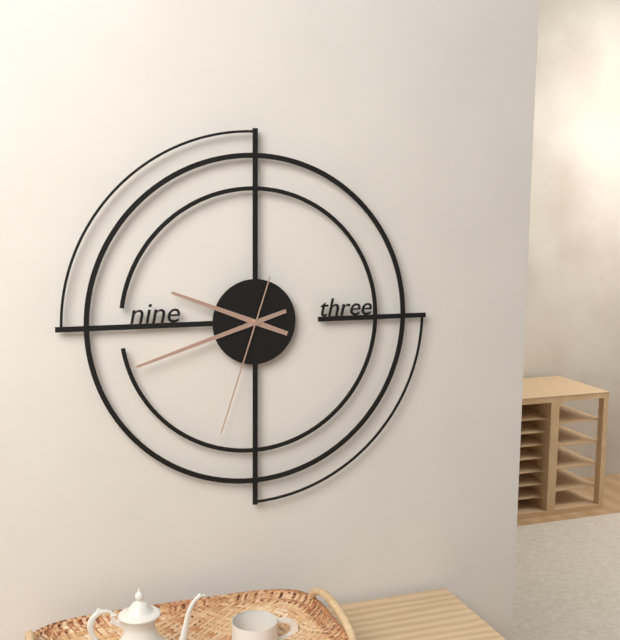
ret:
9,42,33
